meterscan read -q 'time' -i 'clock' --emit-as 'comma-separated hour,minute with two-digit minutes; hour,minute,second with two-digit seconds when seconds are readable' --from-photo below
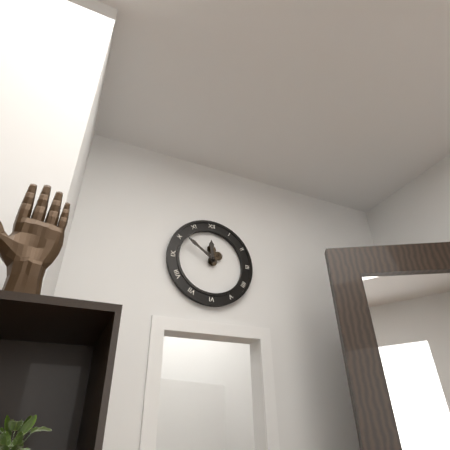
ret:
11,51
